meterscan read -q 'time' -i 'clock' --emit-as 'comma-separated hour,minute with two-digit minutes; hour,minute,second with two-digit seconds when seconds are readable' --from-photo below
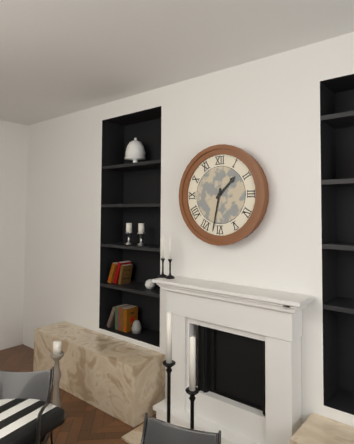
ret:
1,32
